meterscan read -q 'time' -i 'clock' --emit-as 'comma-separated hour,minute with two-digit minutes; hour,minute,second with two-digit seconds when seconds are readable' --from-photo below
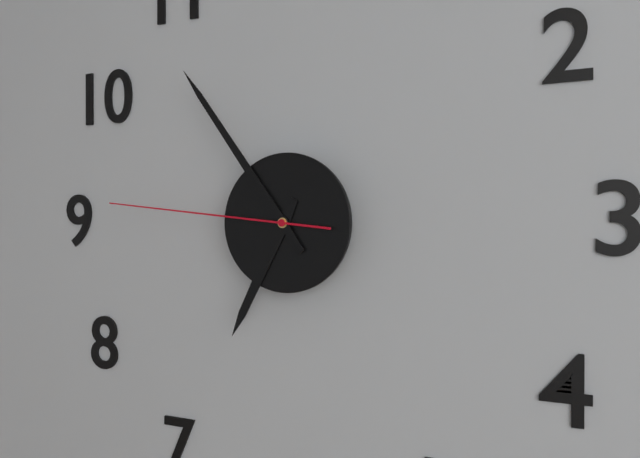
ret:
6,54,46
